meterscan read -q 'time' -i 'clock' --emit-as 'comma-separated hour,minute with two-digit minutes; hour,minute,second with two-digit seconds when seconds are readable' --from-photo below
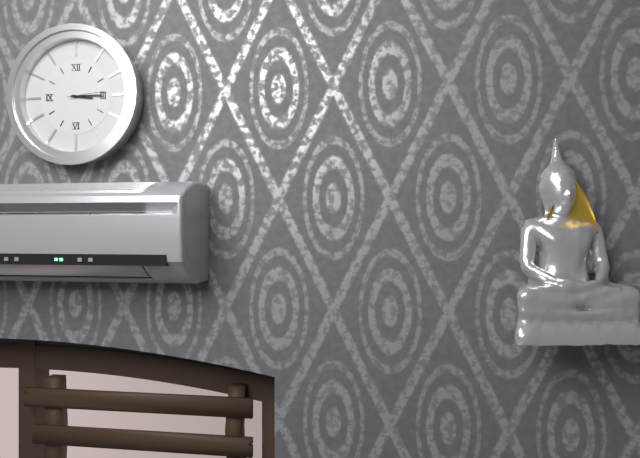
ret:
3,15
